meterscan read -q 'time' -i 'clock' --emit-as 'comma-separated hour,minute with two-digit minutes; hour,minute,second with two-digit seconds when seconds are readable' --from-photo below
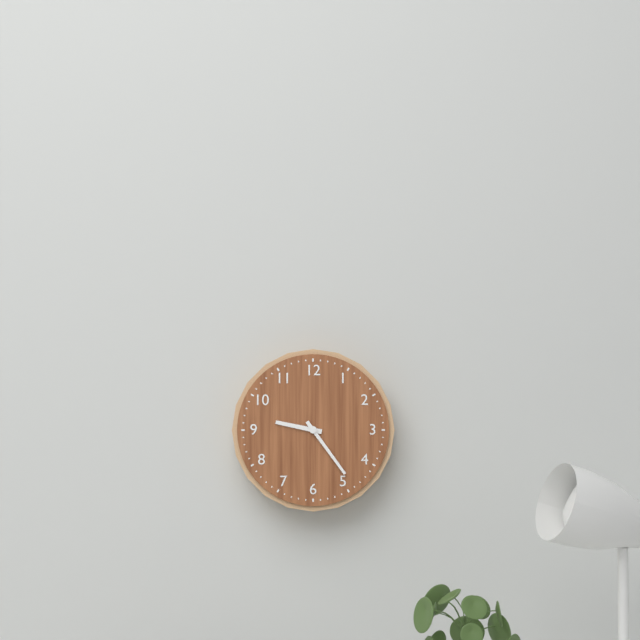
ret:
9,24
